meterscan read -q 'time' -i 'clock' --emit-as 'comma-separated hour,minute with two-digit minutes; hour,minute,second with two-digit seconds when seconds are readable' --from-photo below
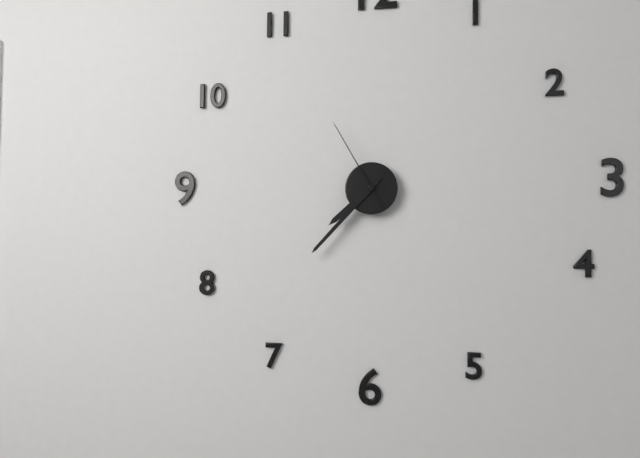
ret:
7,37,55
